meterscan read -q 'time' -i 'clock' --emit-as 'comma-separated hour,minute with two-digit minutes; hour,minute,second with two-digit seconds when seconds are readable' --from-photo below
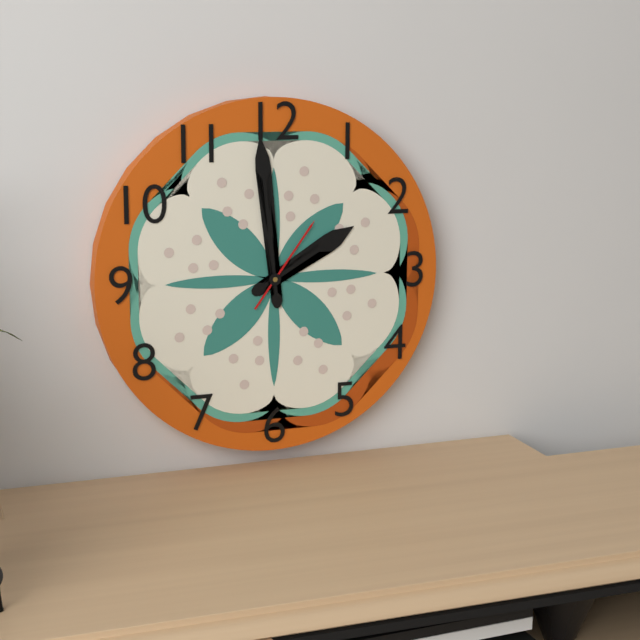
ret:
1,59,06
